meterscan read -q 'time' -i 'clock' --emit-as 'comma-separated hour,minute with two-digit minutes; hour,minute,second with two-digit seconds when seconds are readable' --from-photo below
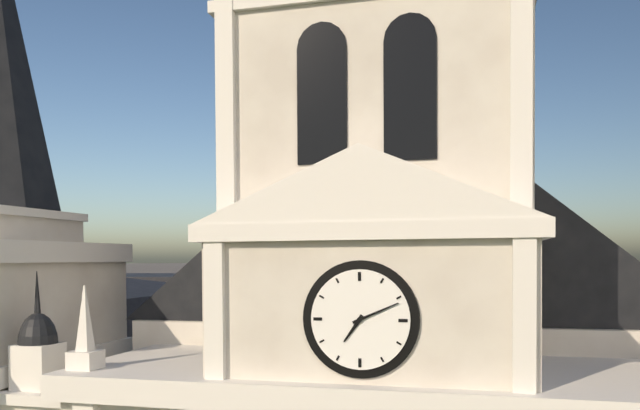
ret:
7,11
